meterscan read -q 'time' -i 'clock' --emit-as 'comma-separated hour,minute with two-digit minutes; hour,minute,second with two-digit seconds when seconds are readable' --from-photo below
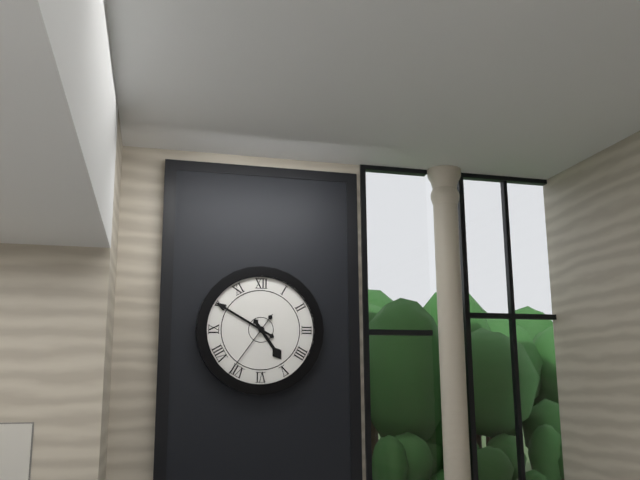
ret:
4,50,36
